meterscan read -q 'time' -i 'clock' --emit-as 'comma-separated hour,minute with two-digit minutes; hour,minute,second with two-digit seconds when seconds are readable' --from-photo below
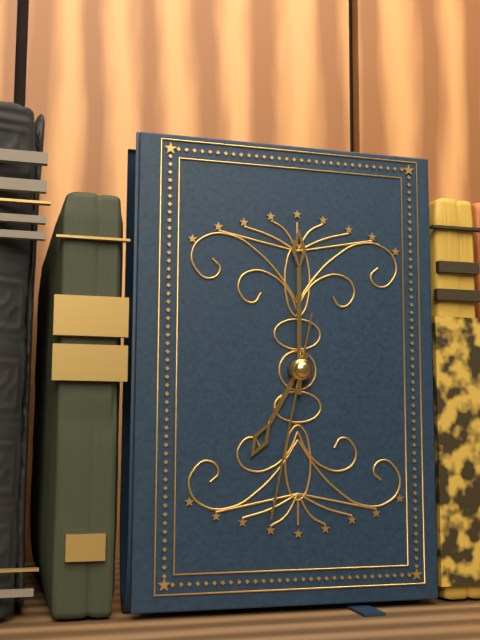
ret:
7,00,32
